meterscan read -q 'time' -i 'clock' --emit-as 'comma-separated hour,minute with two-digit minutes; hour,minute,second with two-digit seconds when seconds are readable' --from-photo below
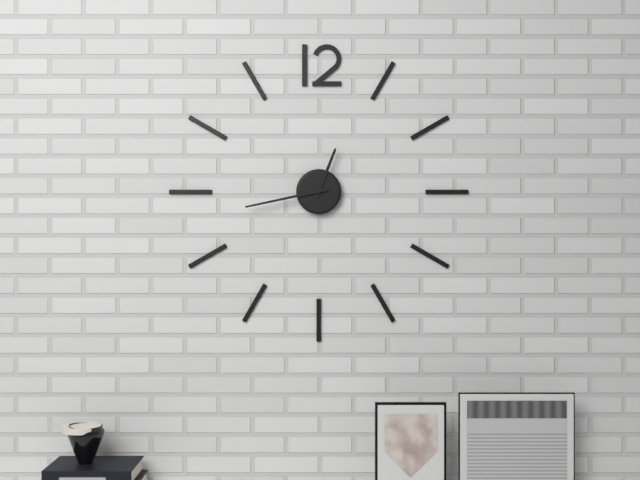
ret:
12,43
